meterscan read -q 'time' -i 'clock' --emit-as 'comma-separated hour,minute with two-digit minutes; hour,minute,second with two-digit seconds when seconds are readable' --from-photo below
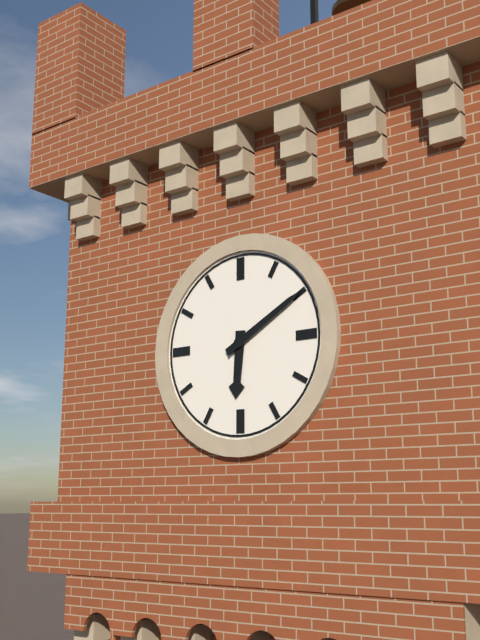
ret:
6,10
